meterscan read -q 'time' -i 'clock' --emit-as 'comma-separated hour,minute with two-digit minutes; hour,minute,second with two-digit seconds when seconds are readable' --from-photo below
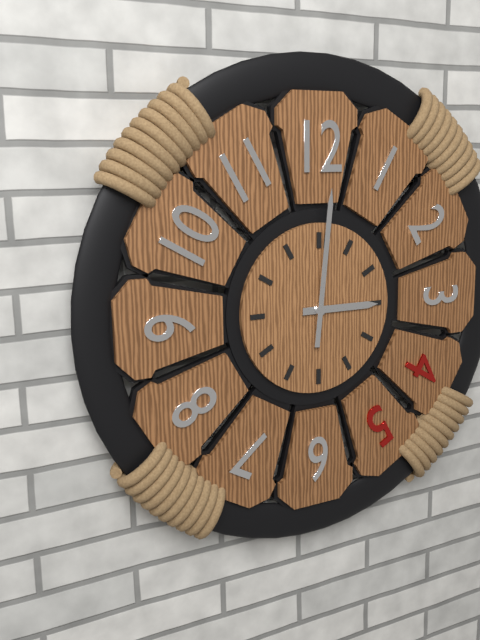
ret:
3,01
